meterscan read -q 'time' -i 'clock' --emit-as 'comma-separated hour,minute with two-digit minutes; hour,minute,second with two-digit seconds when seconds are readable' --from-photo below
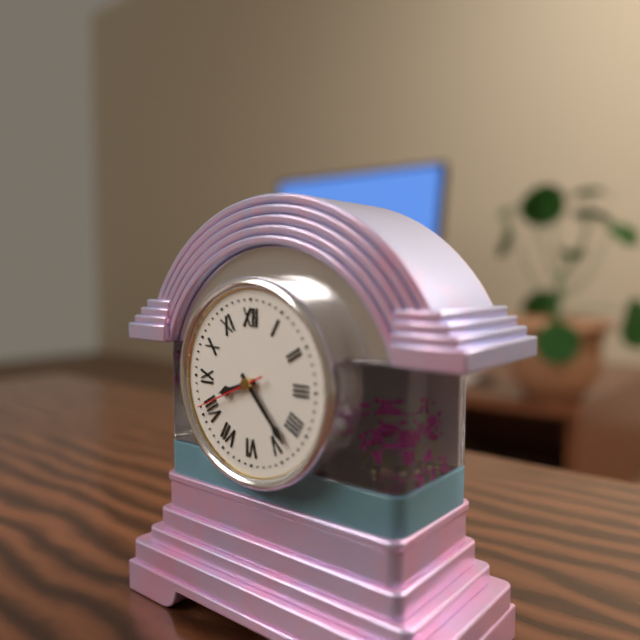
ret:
8,23,41
